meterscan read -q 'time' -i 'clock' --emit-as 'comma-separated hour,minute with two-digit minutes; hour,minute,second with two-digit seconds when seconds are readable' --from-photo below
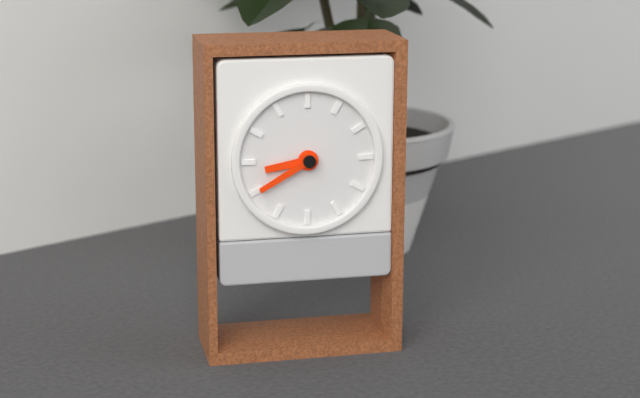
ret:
8,40
